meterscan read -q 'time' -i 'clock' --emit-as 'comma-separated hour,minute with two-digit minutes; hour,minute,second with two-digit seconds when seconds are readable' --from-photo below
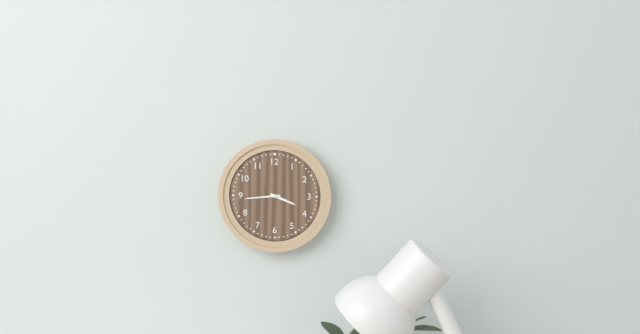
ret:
3,44
